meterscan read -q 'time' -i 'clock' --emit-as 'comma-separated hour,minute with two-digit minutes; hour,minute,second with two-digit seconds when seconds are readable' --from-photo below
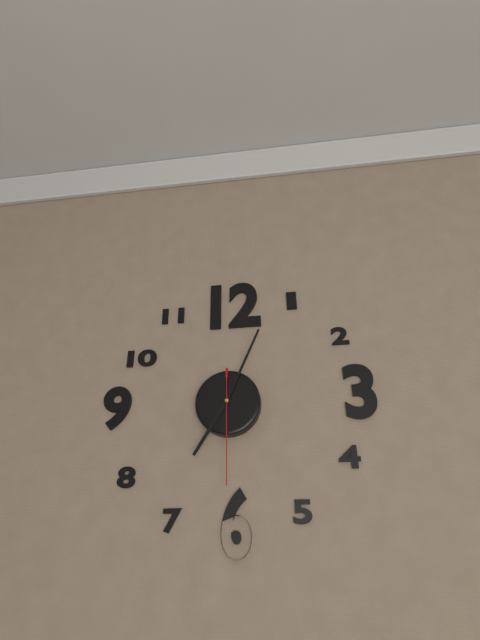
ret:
7,04,30
